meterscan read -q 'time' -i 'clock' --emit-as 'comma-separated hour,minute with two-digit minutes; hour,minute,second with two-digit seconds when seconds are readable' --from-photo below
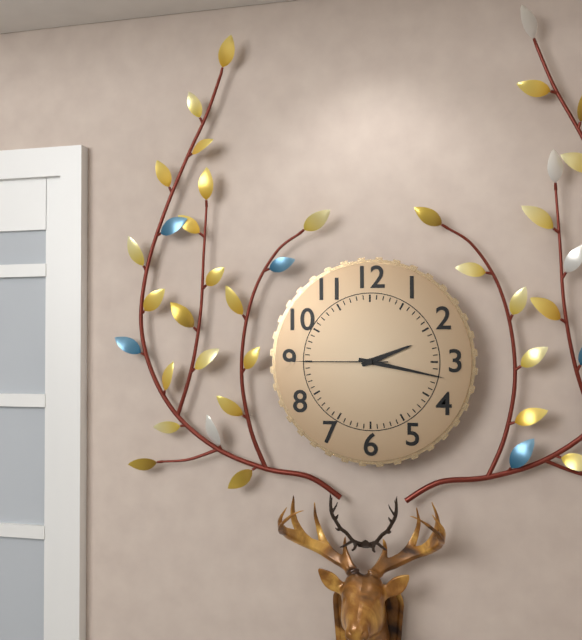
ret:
2,17,45
